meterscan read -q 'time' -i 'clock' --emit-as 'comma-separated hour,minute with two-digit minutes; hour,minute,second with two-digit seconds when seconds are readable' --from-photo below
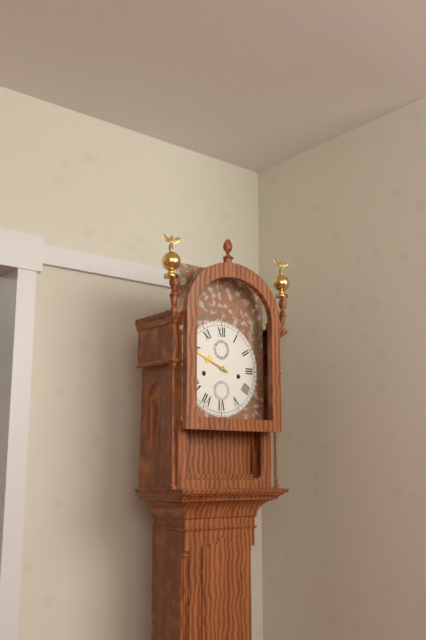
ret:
9,49
